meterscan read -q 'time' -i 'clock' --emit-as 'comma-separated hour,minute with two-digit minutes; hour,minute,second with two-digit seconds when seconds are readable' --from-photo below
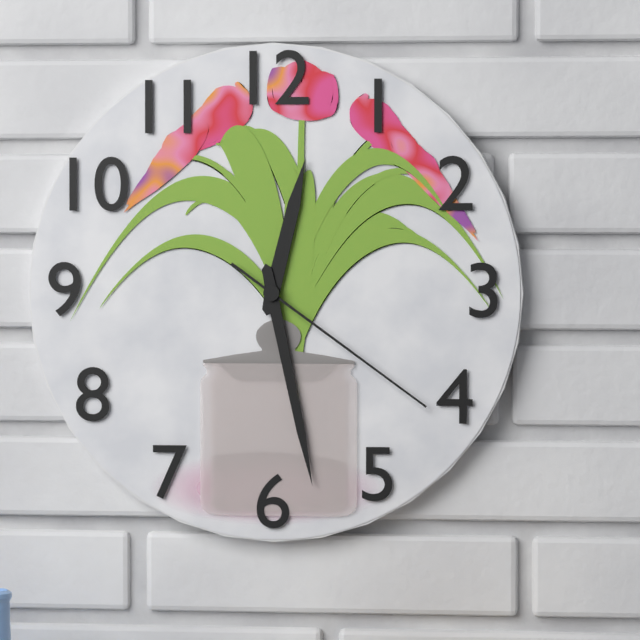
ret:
12,28,21
